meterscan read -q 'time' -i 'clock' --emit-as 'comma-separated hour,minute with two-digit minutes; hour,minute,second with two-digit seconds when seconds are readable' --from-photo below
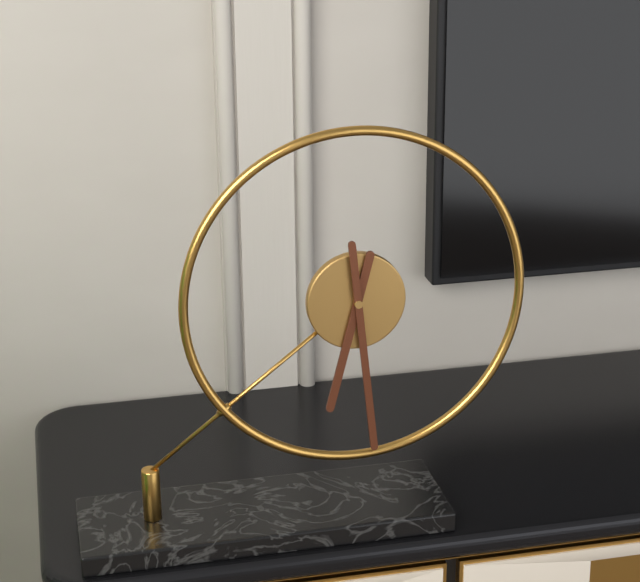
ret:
6,29
